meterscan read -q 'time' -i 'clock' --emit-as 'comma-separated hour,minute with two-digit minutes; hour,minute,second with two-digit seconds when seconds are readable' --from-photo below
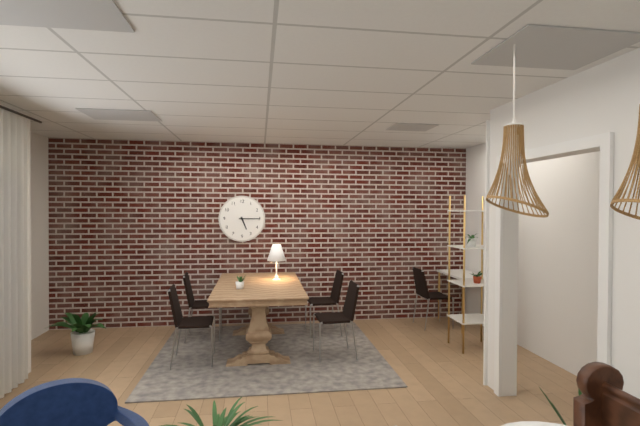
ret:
5,15
